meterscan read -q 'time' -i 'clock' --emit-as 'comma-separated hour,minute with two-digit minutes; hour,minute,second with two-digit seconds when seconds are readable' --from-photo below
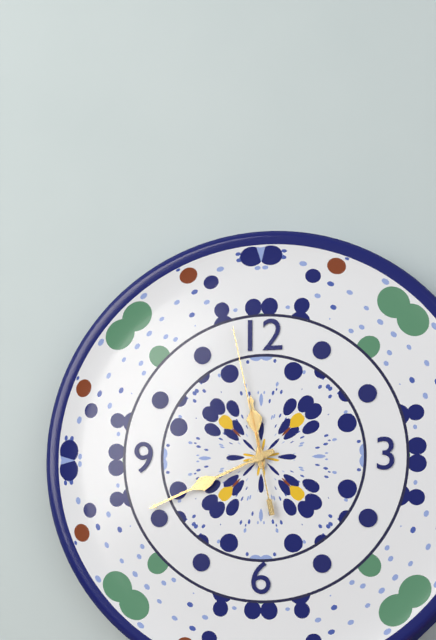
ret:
11,41,58
